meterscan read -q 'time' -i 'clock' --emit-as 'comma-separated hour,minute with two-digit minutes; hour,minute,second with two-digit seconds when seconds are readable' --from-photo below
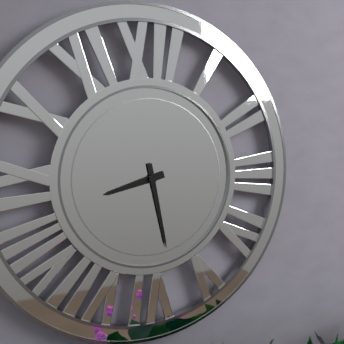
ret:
8,28
